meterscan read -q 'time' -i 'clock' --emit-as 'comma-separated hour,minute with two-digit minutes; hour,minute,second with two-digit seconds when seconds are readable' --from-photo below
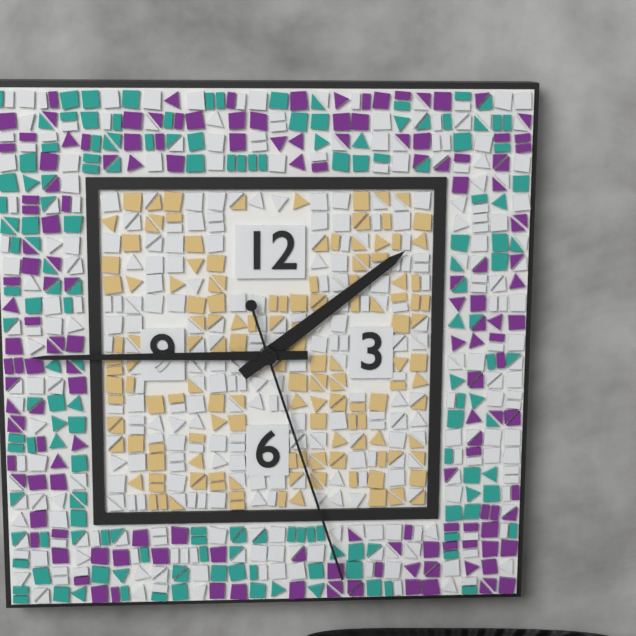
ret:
1,45,27
